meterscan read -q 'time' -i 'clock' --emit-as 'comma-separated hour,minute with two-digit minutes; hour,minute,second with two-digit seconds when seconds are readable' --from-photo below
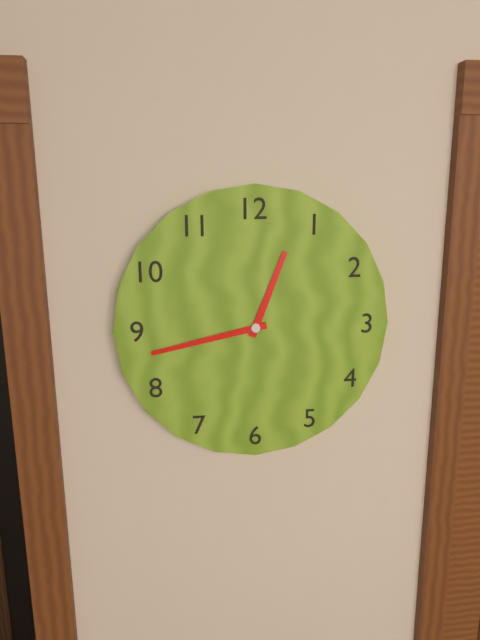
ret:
12,43
